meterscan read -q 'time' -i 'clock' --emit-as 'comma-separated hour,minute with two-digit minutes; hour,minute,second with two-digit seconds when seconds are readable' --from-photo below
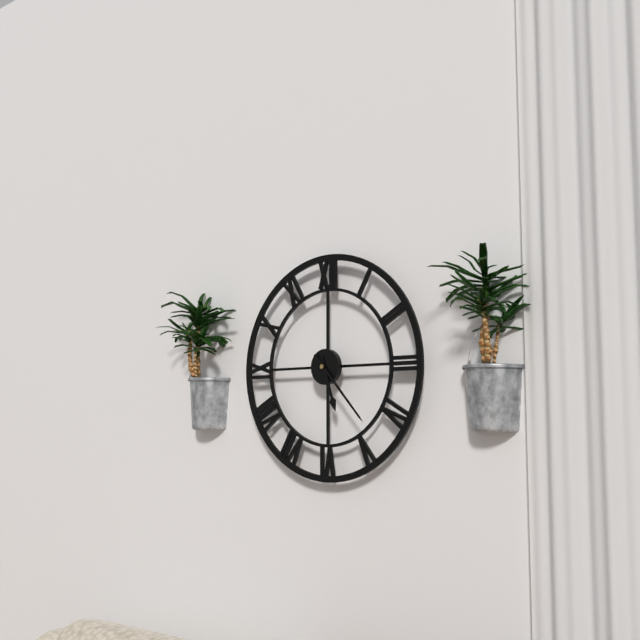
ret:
5,23
